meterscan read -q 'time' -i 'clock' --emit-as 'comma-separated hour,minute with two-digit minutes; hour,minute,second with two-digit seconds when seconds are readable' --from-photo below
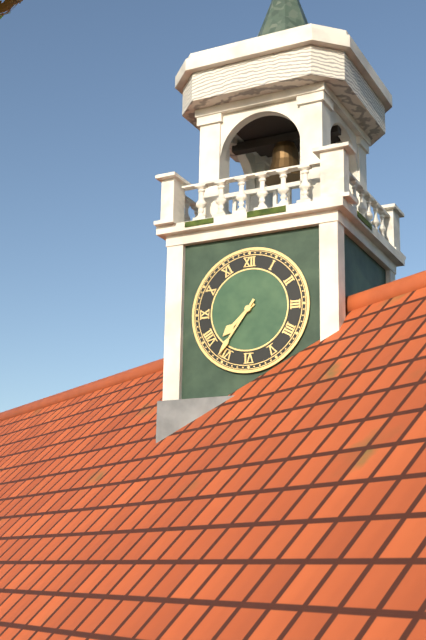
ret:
7,36
